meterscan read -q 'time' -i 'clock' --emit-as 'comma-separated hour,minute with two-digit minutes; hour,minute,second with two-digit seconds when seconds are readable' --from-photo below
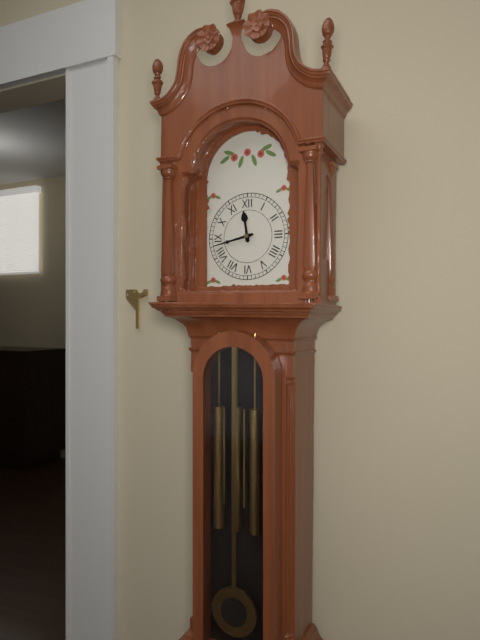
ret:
11,43
